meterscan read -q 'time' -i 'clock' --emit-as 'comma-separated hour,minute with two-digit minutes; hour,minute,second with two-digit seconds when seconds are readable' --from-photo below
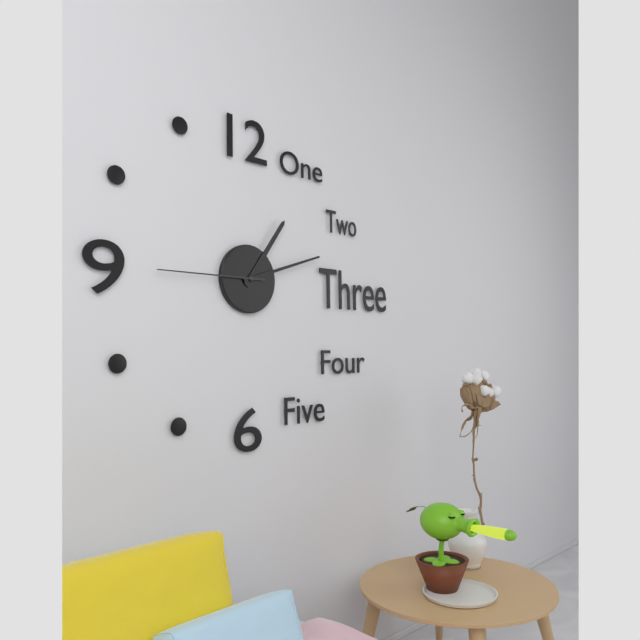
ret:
1,12,45
